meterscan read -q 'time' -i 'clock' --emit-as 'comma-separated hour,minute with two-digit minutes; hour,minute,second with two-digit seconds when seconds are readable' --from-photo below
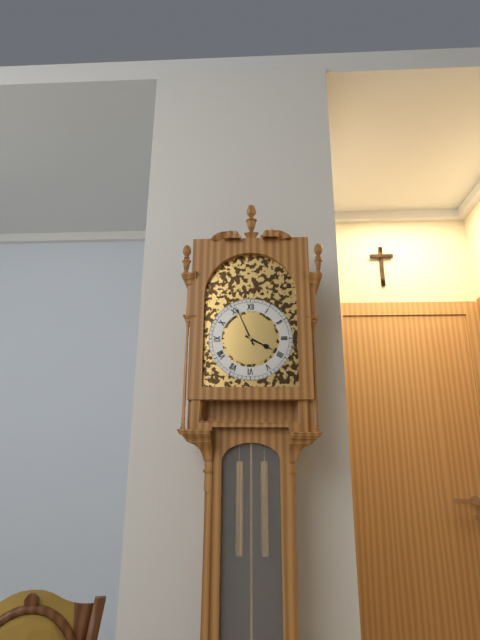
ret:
3,56
